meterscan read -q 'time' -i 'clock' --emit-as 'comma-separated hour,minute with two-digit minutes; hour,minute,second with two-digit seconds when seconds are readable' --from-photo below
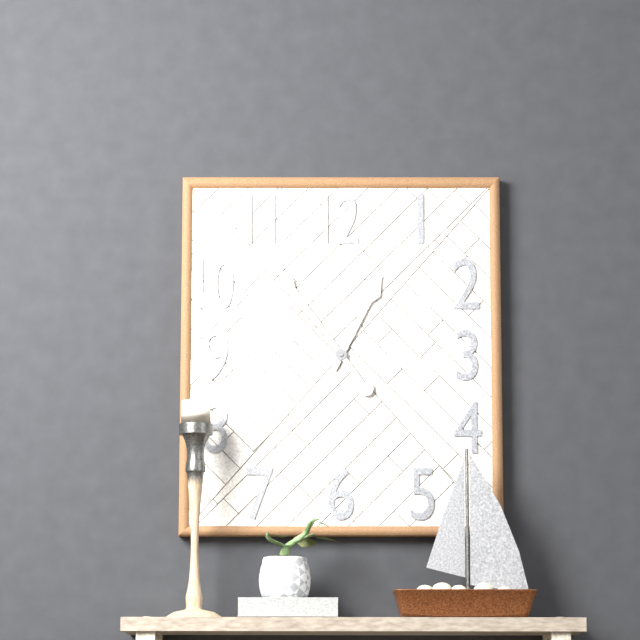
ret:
12,54
